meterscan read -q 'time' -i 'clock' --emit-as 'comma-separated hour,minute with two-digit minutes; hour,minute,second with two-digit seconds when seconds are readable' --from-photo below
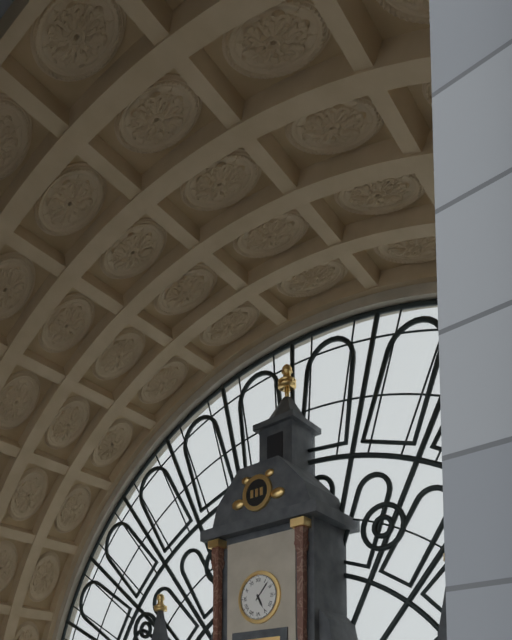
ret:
5,07
